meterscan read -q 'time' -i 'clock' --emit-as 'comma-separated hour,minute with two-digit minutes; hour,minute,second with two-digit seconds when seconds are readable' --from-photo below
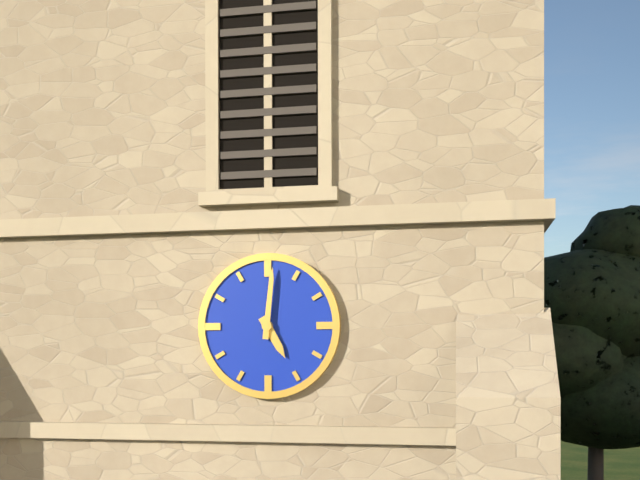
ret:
5,01
